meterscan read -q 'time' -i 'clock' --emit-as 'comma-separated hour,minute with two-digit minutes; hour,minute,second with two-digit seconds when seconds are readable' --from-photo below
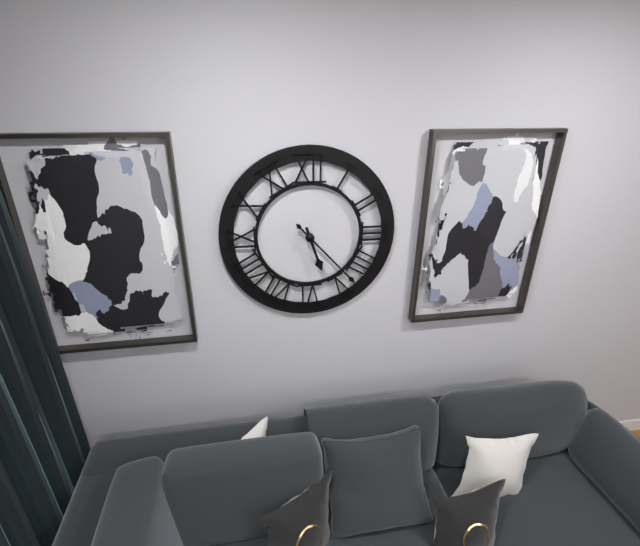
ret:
5,23
